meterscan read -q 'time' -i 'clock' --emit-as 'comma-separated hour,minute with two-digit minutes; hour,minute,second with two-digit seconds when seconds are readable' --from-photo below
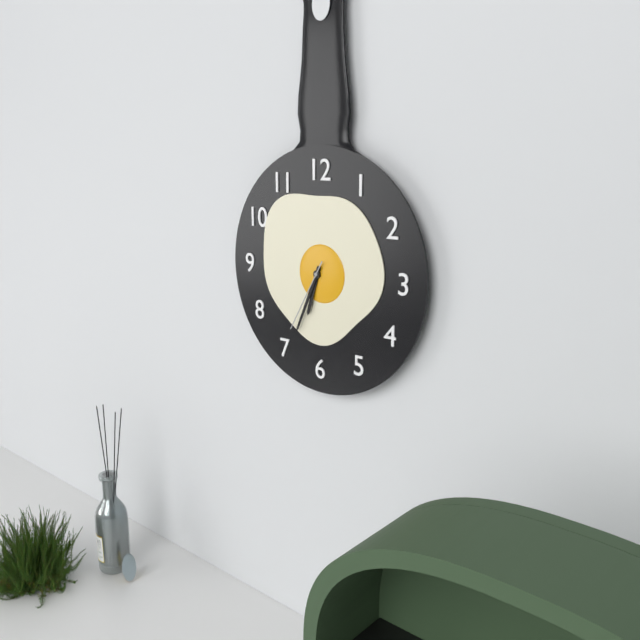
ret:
6,34,35
